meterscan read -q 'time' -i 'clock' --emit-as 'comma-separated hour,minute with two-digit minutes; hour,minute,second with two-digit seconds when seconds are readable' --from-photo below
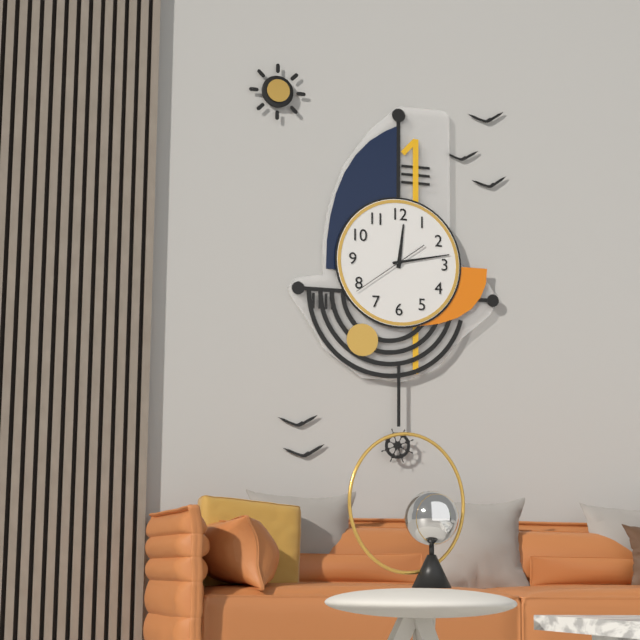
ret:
12,13,39
